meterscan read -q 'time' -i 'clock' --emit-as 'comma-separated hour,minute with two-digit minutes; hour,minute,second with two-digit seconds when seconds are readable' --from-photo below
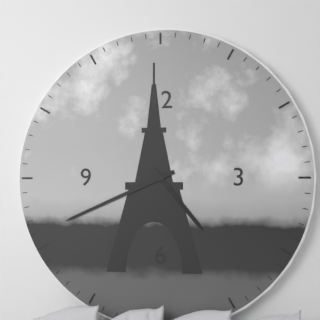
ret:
4,41
